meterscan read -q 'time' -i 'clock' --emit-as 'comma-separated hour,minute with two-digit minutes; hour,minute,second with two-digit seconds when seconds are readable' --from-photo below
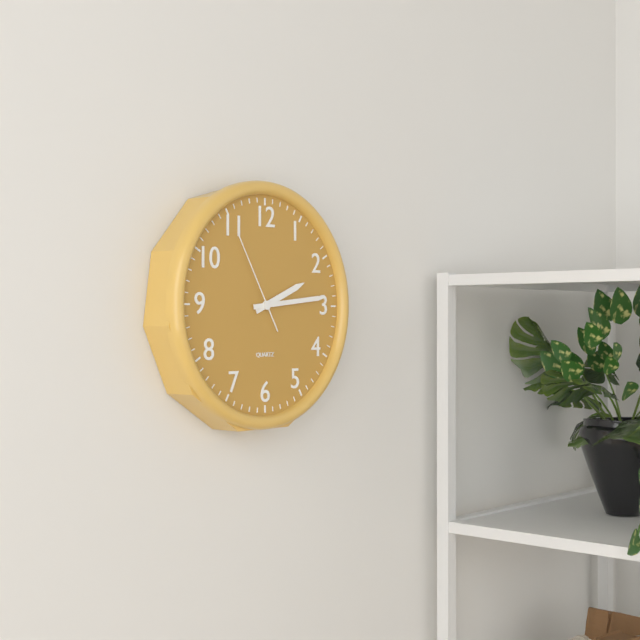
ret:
2,14,55
